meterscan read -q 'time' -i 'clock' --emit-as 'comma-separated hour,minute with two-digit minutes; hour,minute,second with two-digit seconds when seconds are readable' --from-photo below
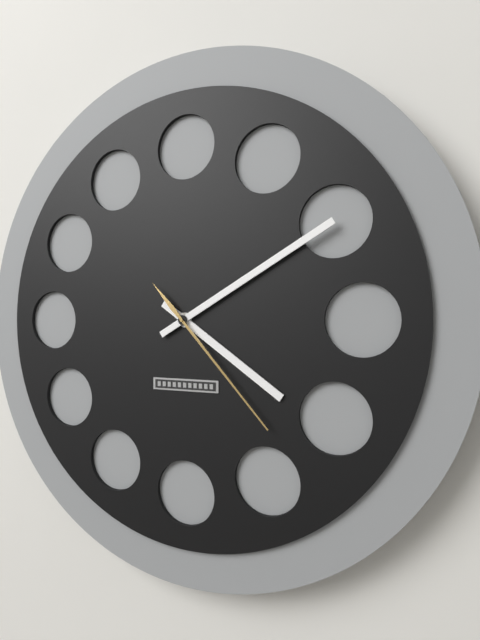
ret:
4,10,23
